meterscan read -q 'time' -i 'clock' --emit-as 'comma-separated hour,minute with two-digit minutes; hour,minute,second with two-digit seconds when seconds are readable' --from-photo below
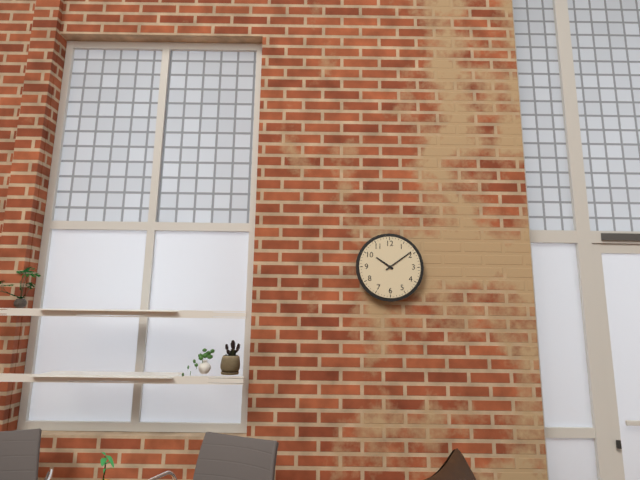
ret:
10,09
